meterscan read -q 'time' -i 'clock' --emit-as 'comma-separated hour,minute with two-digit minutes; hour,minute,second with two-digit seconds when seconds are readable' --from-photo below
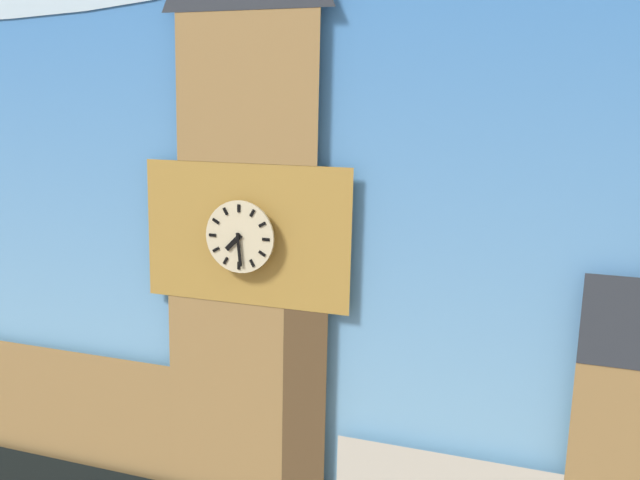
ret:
7,29
